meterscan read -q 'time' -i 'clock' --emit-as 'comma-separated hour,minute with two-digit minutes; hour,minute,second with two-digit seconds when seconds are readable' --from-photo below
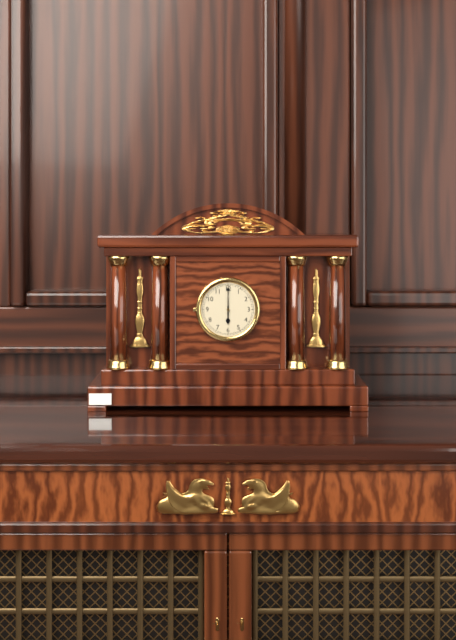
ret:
6,00
